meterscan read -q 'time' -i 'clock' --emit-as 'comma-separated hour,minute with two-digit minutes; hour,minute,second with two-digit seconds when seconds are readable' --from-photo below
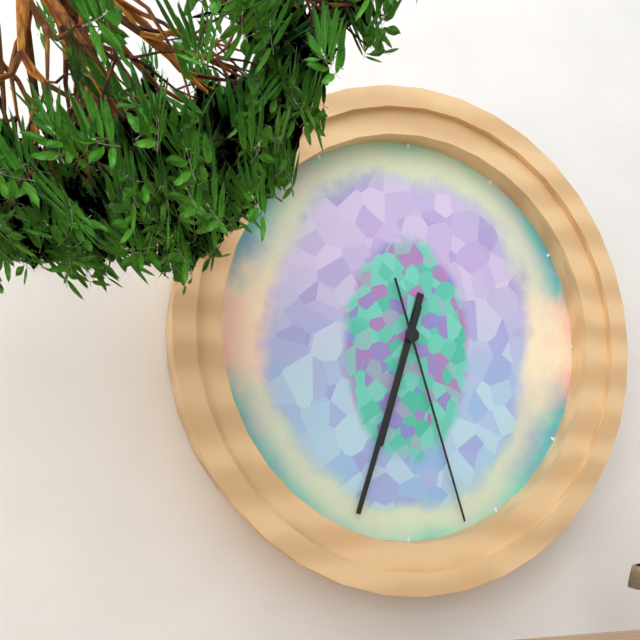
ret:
6,33,27
